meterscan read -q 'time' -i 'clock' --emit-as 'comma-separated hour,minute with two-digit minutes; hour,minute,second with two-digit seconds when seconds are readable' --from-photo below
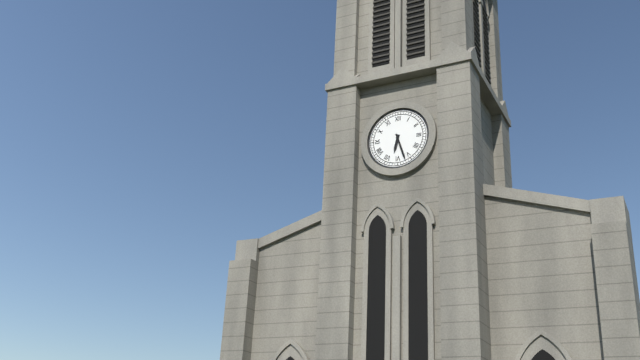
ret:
6,27
